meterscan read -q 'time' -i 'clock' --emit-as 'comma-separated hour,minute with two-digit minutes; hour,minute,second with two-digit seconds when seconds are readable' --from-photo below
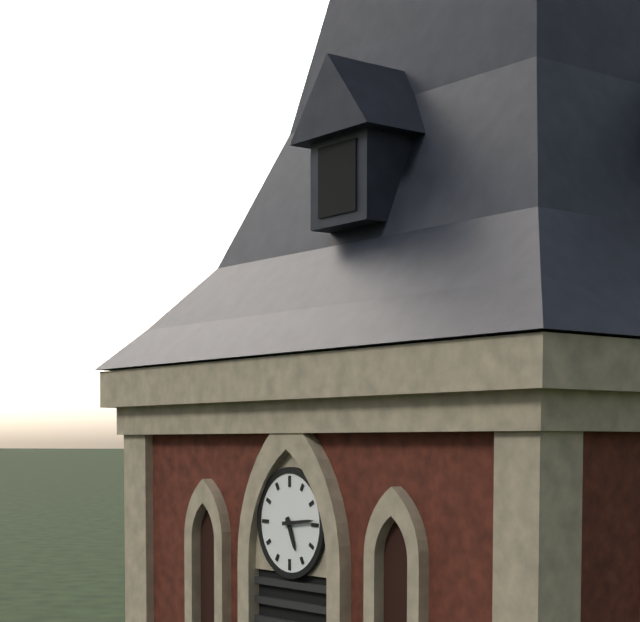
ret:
5,14
